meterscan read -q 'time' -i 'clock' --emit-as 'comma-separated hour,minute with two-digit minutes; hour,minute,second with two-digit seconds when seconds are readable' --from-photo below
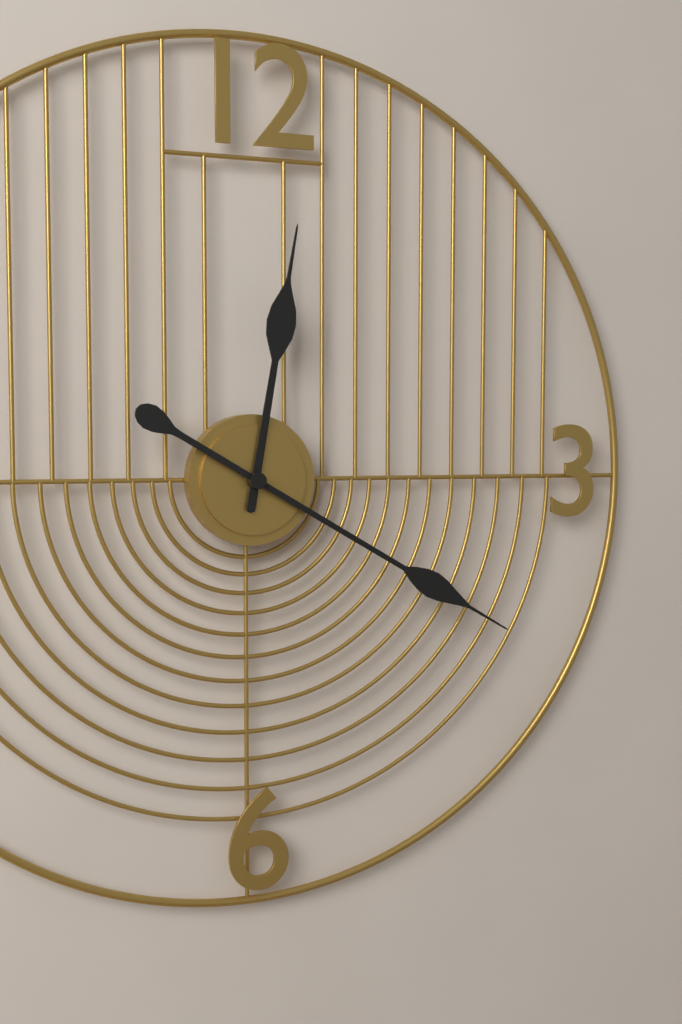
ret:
12,20
